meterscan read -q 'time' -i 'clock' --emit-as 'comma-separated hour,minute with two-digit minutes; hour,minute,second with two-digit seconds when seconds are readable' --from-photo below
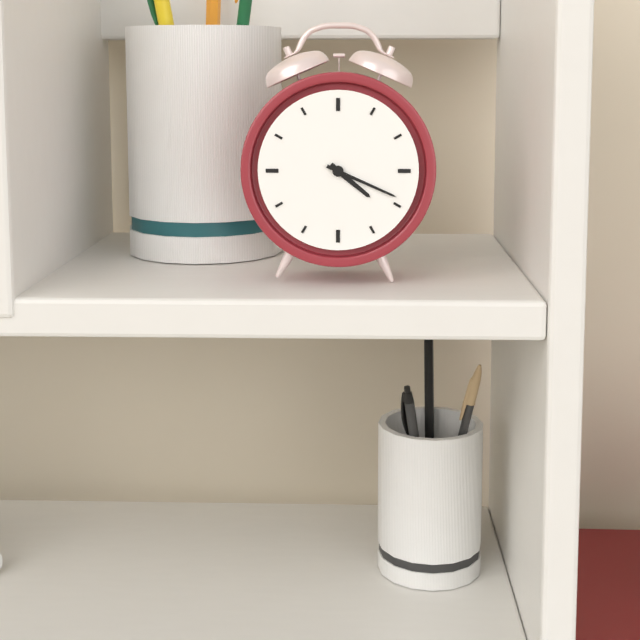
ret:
4,19
